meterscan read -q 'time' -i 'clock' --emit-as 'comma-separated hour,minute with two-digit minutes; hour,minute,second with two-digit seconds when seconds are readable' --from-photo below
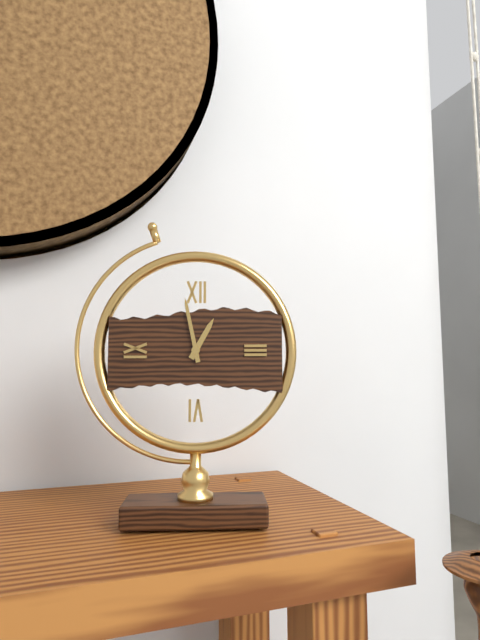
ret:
12,58
